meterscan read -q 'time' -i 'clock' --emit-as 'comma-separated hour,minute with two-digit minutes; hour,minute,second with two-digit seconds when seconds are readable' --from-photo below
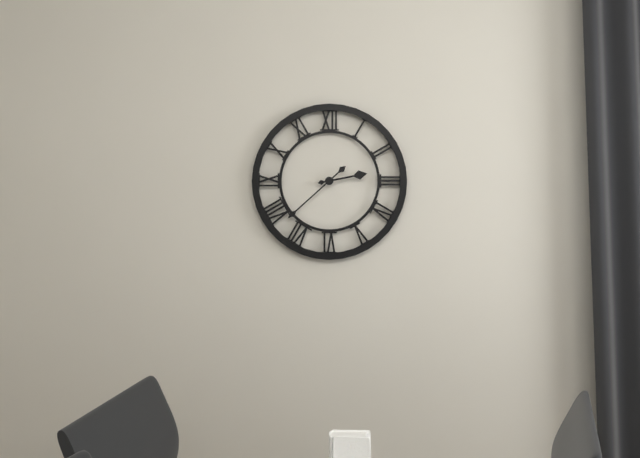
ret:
2,38
